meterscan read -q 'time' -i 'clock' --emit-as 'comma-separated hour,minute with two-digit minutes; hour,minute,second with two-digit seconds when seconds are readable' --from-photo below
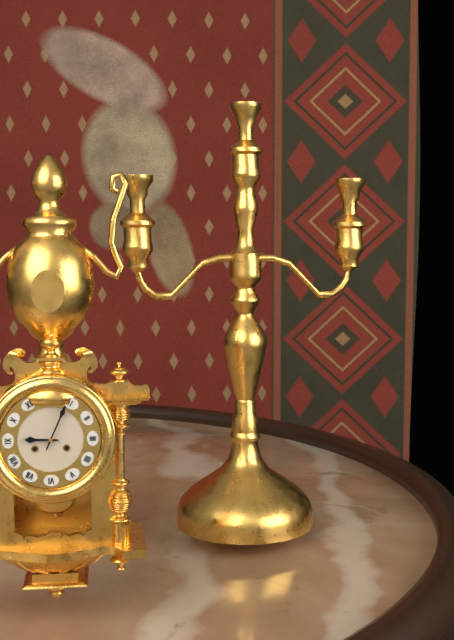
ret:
9,04
